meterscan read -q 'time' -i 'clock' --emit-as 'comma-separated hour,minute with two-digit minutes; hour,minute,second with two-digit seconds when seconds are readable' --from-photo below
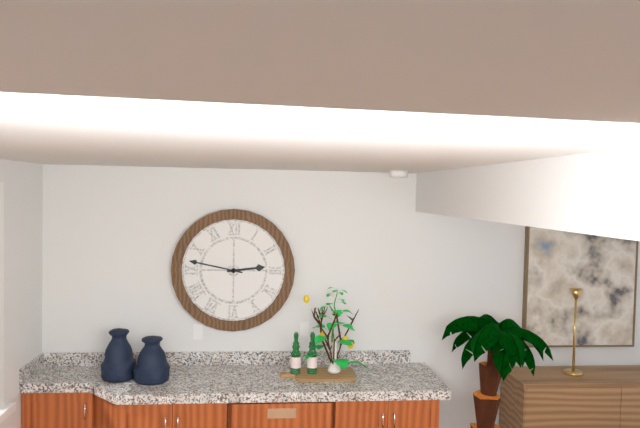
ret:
2,47
